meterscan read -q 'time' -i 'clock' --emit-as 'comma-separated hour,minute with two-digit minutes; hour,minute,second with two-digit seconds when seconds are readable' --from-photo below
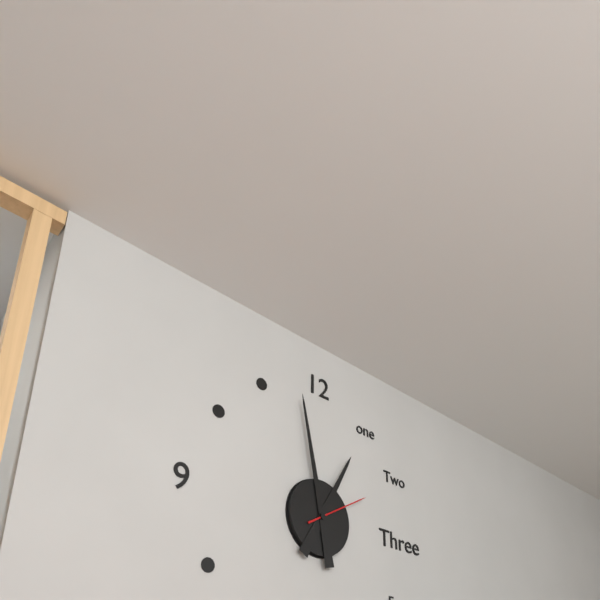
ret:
12,58,10
